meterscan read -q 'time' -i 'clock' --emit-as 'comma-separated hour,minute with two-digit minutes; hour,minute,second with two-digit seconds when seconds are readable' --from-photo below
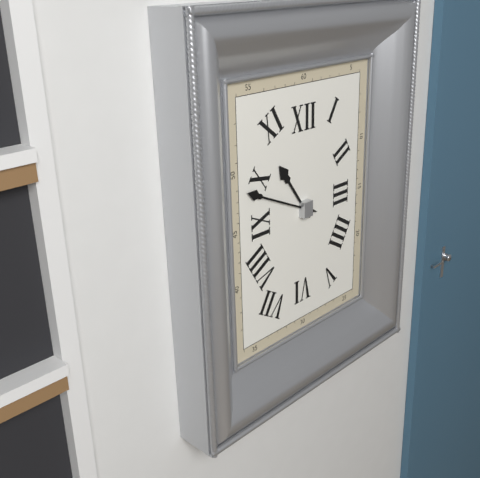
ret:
10,49
